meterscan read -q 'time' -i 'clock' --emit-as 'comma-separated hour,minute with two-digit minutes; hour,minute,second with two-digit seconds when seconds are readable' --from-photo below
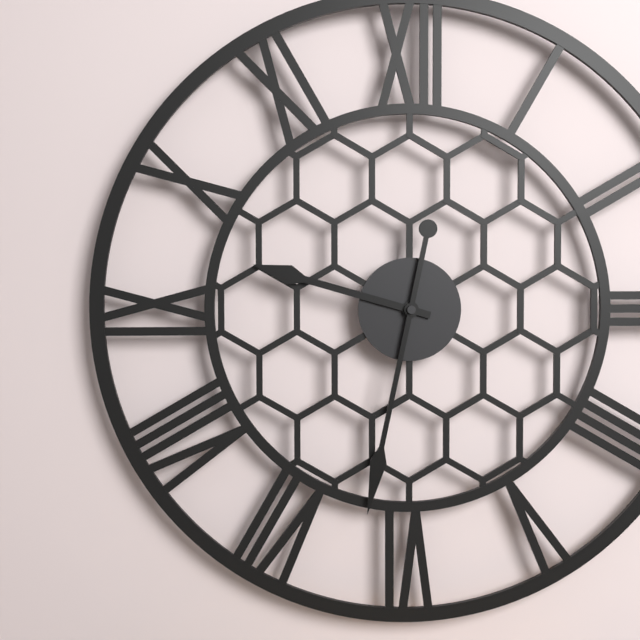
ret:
9,32
